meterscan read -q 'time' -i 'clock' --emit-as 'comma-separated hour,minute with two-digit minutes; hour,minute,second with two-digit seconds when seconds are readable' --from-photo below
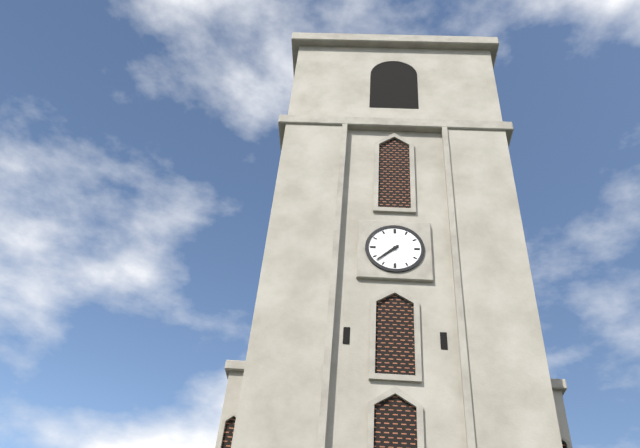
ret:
7,38
